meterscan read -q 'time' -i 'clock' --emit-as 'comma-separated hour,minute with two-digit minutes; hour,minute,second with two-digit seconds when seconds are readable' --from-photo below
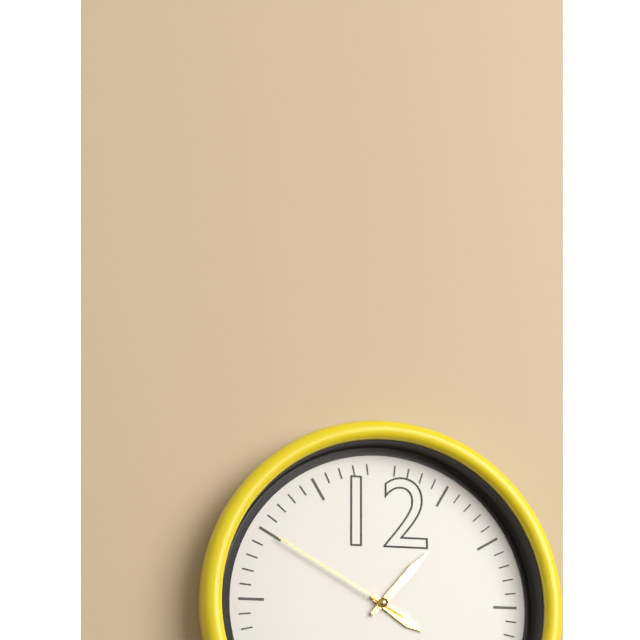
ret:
4,07,50
